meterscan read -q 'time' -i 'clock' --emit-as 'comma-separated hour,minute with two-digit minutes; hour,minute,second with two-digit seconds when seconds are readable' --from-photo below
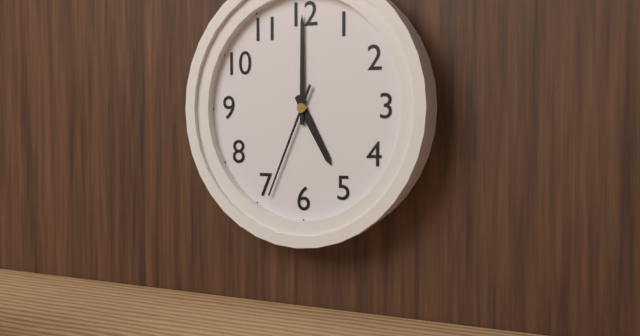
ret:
5,00,34
